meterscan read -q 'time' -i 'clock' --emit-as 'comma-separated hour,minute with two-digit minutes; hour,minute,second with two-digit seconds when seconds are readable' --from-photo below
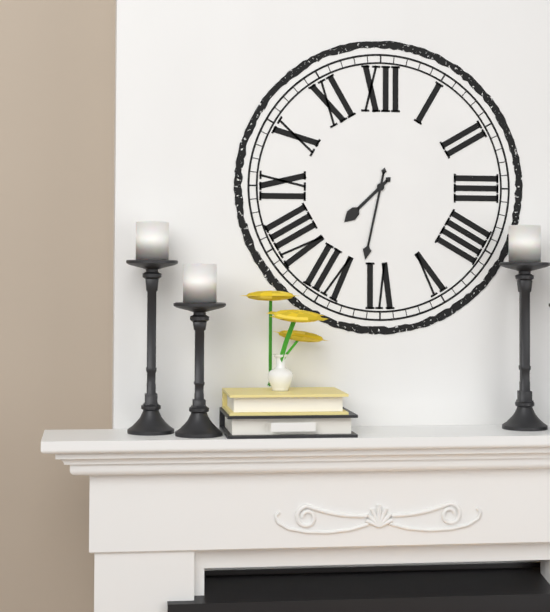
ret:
7,32
